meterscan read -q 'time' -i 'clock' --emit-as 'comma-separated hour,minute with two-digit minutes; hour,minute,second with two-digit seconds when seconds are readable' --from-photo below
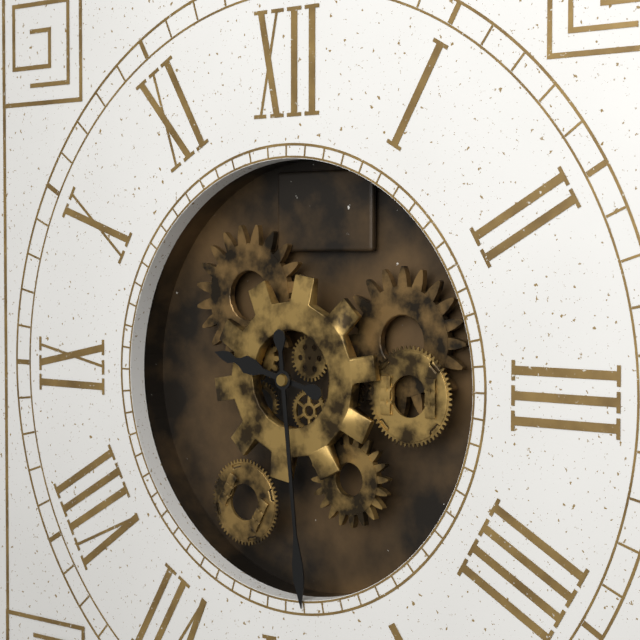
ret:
9,29
